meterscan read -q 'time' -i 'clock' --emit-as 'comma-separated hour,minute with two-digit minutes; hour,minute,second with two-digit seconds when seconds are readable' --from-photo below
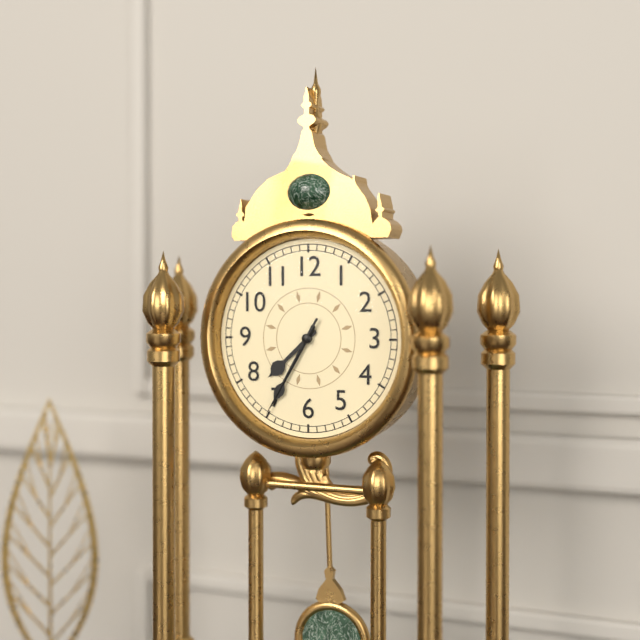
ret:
7,35,35
